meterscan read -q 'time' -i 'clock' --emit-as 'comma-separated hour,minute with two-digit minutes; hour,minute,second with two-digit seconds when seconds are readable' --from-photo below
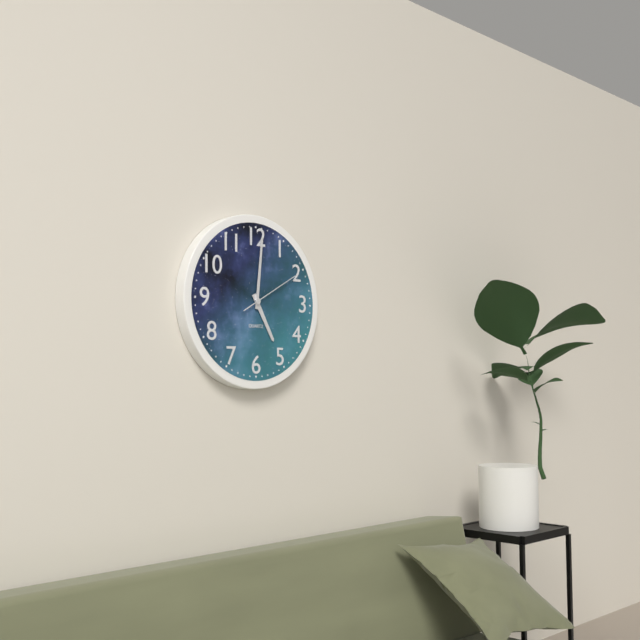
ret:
5,01,10
